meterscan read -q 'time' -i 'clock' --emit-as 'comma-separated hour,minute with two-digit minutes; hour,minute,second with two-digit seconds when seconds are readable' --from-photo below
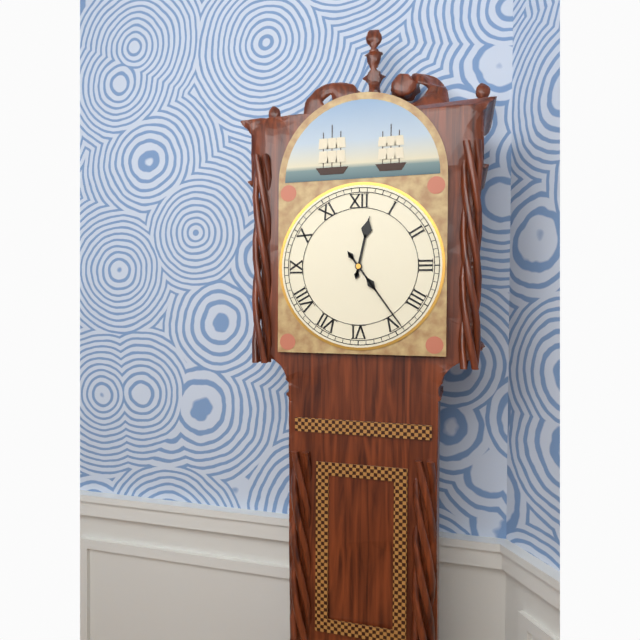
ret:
12,24
